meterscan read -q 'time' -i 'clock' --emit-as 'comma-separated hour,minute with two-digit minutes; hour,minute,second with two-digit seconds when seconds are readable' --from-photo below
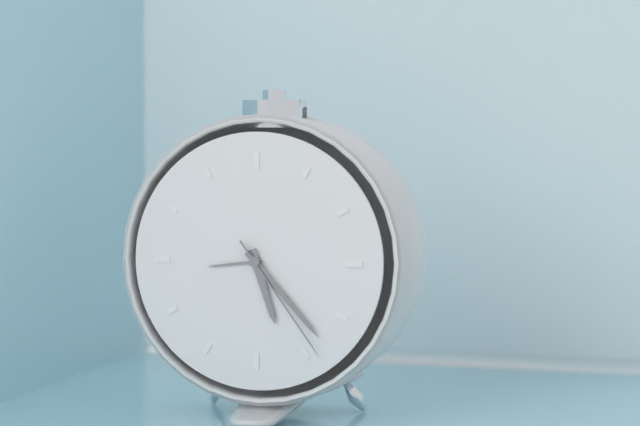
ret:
5,23,24
